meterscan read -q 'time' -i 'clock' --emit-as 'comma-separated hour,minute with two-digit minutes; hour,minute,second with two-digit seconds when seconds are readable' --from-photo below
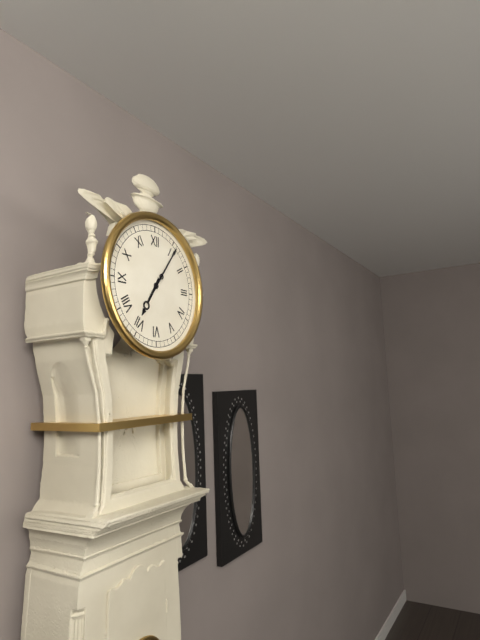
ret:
7,06
